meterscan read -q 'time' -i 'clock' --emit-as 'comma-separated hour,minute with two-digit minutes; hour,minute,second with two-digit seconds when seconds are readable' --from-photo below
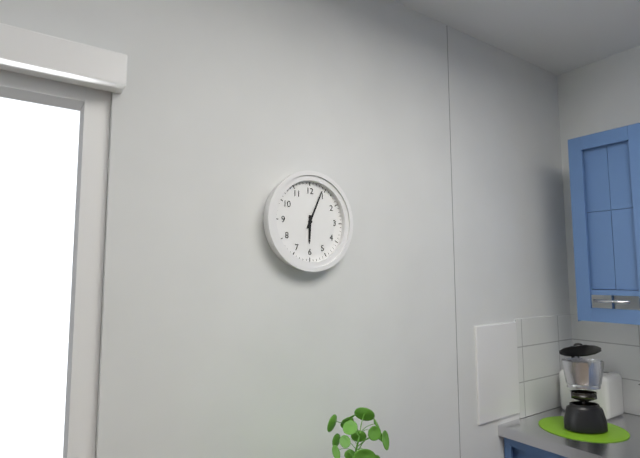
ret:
6,04
